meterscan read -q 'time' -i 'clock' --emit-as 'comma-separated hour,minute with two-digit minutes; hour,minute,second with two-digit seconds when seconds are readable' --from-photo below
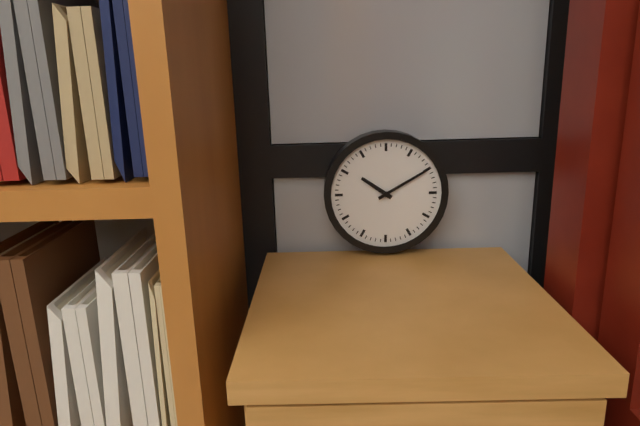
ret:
10,10
